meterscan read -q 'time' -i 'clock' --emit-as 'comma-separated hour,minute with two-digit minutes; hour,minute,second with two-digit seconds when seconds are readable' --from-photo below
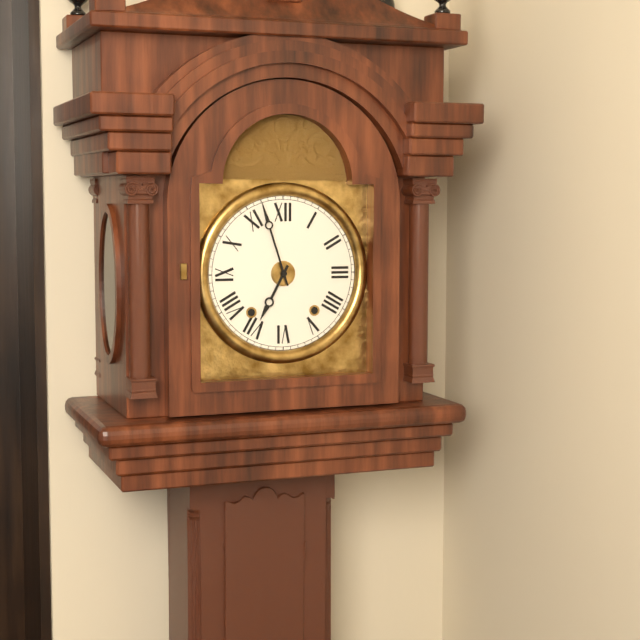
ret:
6,57
